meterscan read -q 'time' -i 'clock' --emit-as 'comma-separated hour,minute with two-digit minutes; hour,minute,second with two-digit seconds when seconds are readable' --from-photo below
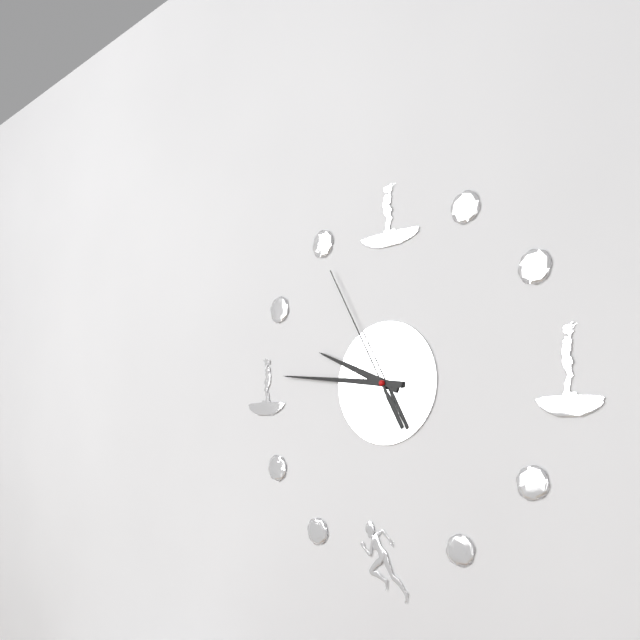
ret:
9,46,55
